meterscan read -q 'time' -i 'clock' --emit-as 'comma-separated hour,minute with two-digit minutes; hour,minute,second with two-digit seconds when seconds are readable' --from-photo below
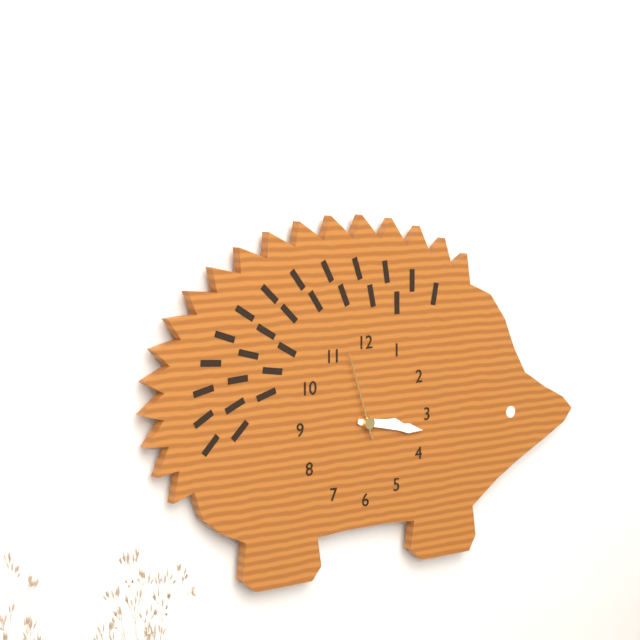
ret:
3,17,57
